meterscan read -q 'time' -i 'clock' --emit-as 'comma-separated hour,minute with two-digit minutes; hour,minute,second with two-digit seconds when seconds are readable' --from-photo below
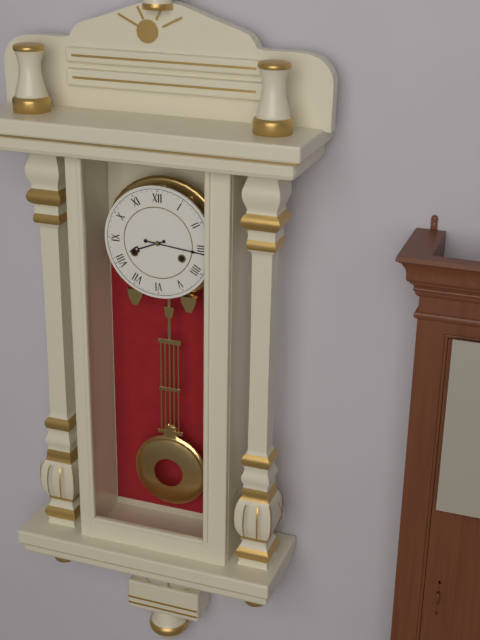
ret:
8,16
